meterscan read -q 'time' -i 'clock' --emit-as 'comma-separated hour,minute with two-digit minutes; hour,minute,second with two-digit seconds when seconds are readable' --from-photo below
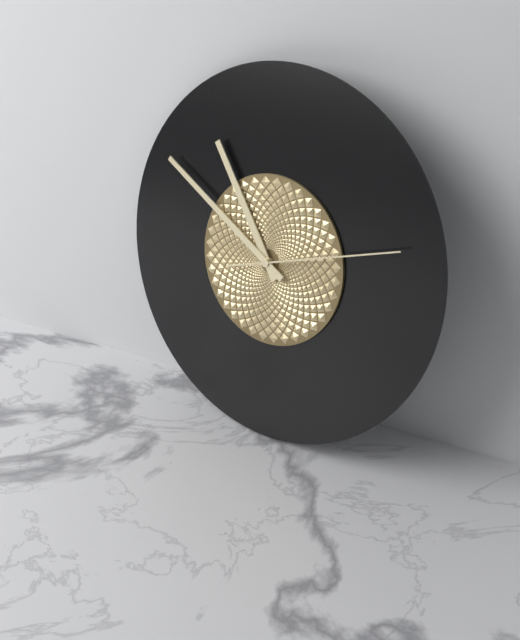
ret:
10,50,12
